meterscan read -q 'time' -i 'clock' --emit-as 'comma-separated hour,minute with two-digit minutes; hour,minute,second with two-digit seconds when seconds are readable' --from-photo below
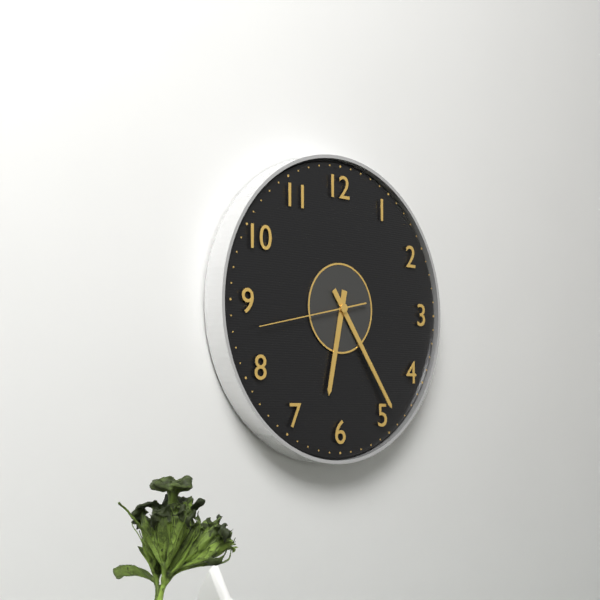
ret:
6,24,43
